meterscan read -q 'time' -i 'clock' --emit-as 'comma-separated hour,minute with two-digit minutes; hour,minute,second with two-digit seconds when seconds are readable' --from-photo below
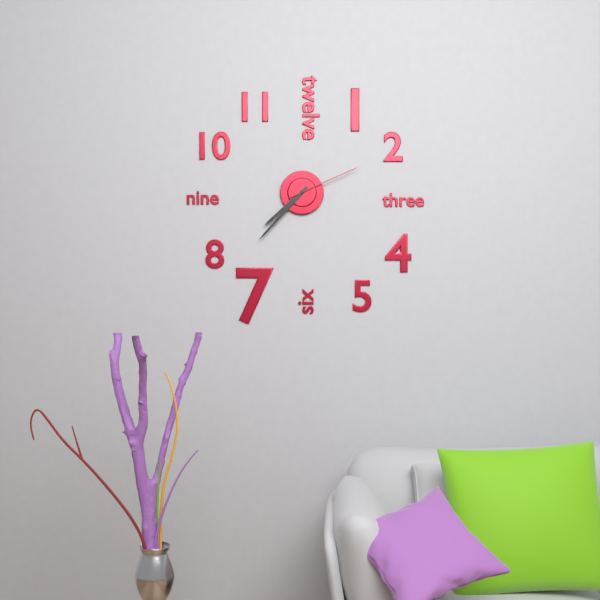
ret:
7,37,11
